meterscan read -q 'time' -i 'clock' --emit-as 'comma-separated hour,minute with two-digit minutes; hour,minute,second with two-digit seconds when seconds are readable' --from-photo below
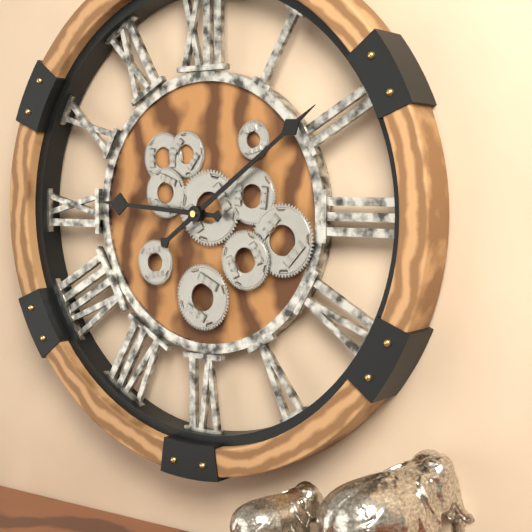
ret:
9,09
